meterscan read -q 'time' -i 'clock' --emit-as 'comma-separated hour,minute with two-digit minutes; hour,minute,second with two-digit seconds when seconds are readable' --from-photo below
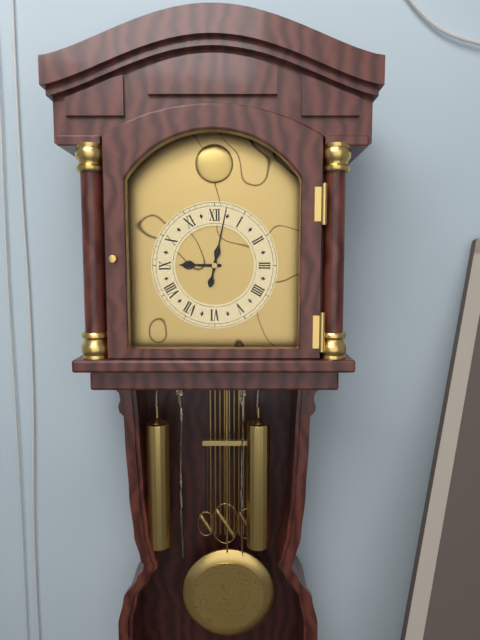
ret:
9,02
